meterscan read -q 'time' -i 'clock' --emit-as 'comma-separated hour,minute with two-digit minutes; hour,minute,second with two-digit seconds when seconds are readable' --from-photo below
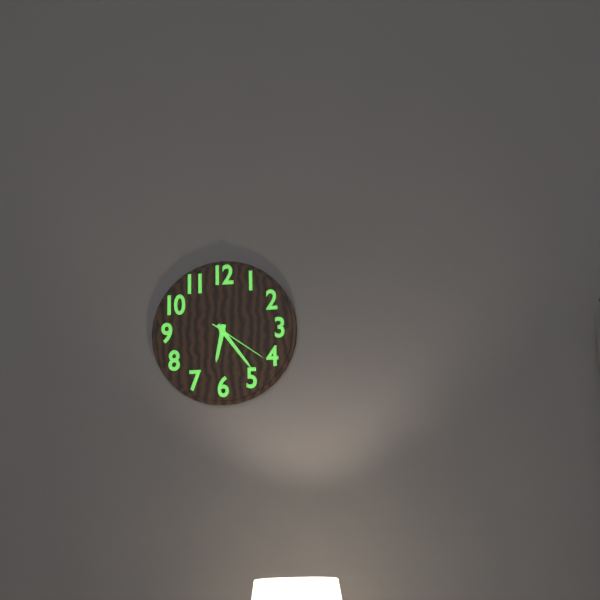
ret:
6,24,21
